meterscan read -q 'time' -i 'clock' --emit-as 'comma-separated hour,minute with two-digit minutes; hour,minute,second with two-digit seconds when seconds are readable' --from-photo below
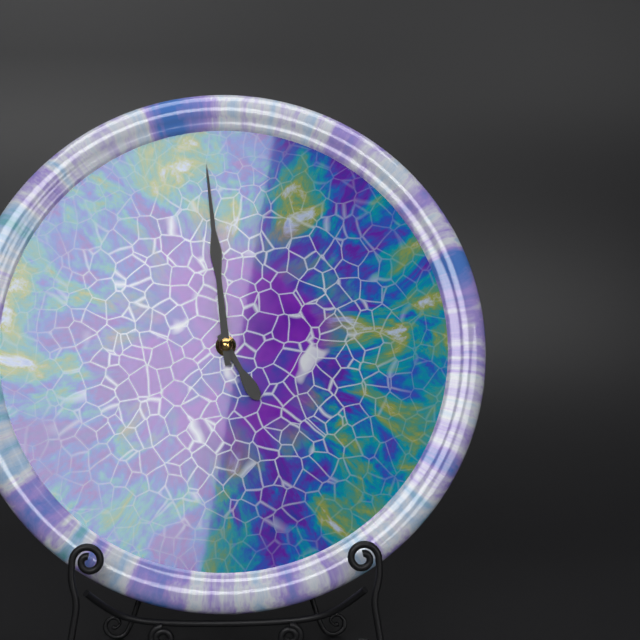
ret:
4,59
